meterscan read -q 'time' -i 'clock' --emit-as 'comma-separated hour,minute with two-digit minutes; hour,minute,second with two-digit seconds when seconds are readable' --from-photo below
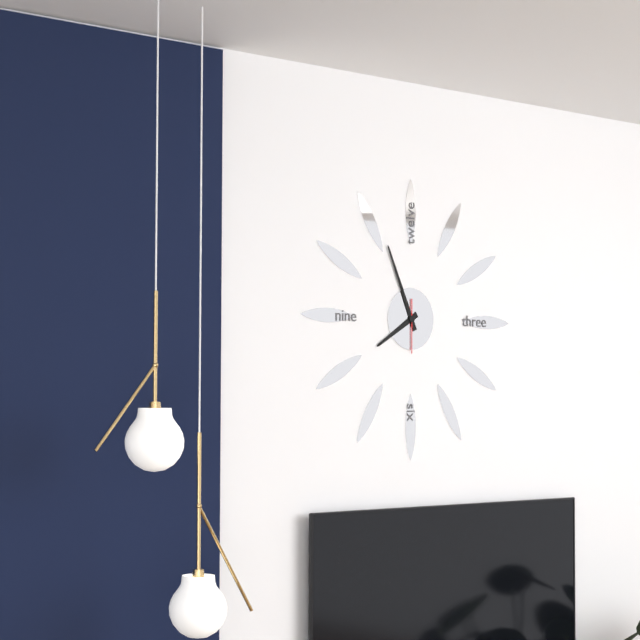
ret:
7,56
